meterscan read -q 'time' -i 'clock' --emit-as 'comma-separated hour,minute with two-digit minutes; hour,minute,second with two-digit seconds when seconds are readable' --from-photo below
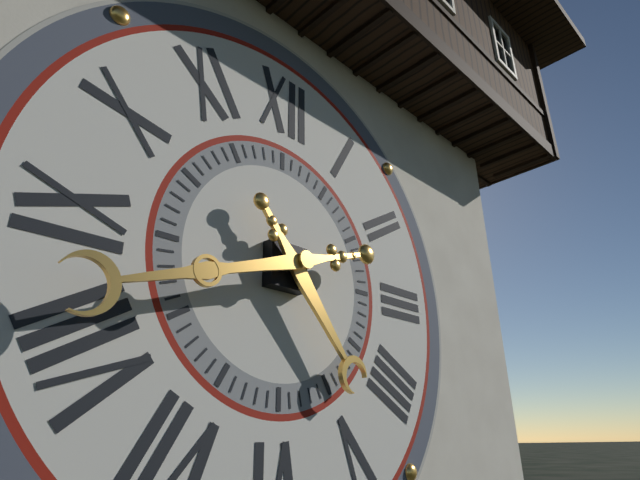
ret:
4,42
